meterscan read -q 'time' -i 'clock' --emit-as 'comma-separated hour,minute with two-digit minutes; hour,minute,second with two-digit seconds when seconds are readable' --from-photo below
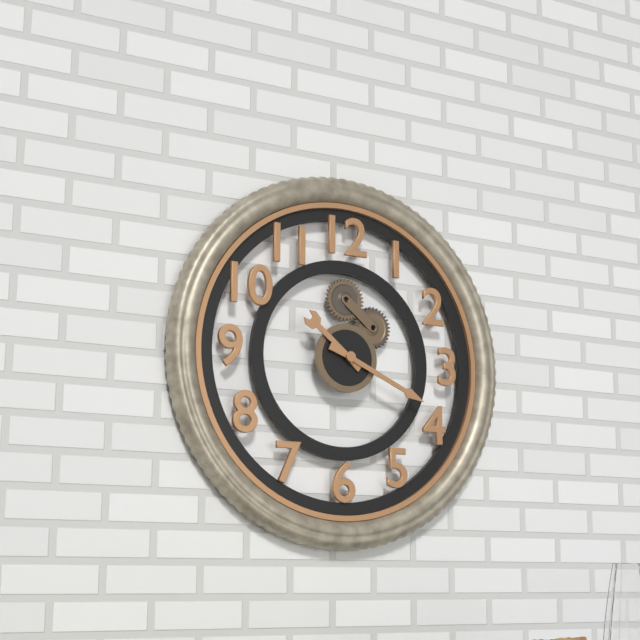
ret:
10,19
